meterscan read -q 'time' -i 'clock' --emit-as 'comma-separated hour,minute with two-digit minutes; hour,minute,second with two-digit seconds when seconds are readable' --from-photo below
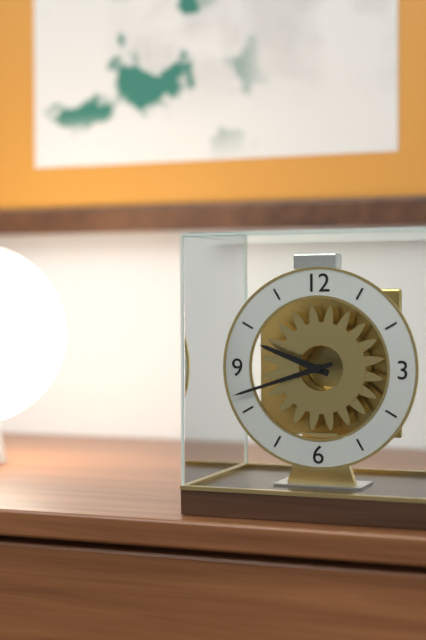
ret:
9,42
